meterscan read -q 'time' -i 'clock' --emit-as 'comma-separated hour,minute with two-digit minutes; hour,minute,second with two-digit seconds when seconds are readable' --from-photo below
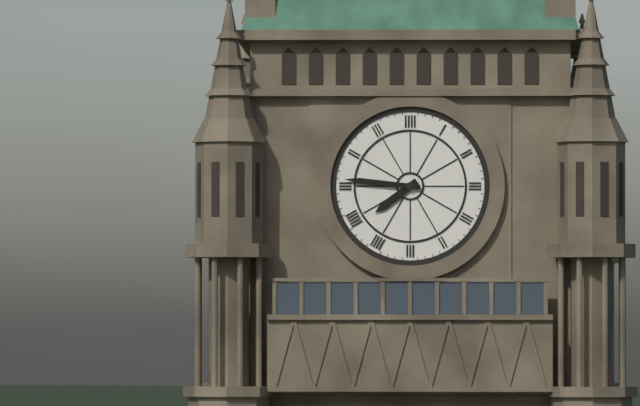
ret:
7,46
